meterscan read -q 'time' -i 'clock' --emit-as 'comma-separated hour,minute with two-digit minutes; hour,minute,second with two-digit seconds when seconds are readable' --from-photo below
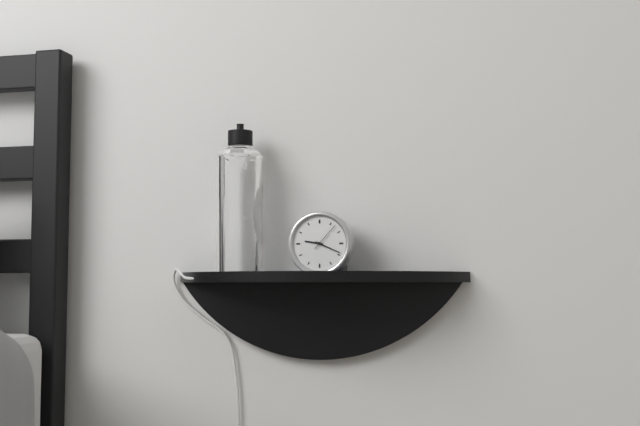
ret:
9,19
